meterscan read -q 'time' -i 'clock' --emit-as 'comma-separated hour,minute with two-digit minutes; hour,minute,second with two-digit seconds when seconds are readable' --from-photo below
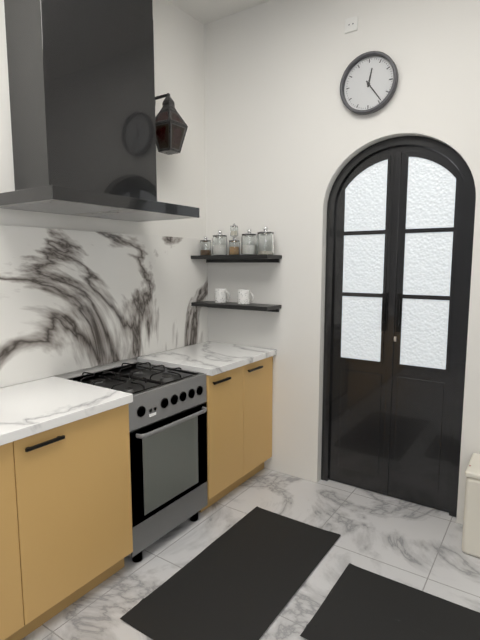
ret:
12,24
